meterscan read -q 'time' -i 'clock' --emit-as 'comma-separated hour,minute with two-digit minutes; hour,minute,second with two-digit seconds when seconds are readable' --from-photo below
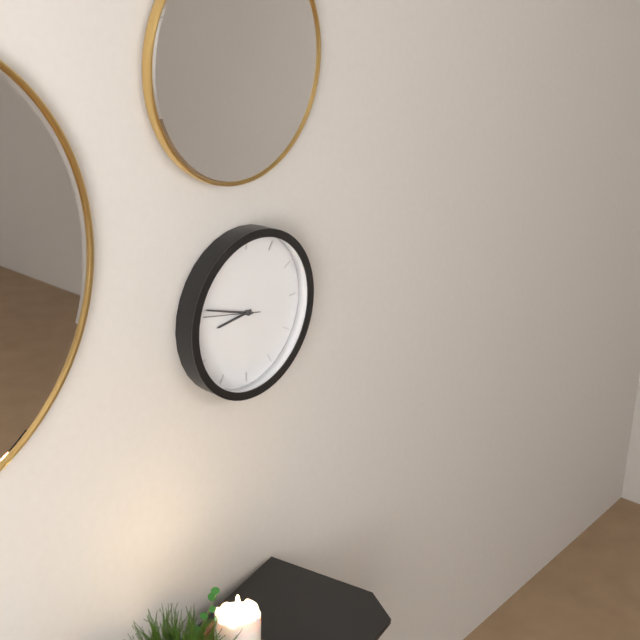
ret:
8,48,47
